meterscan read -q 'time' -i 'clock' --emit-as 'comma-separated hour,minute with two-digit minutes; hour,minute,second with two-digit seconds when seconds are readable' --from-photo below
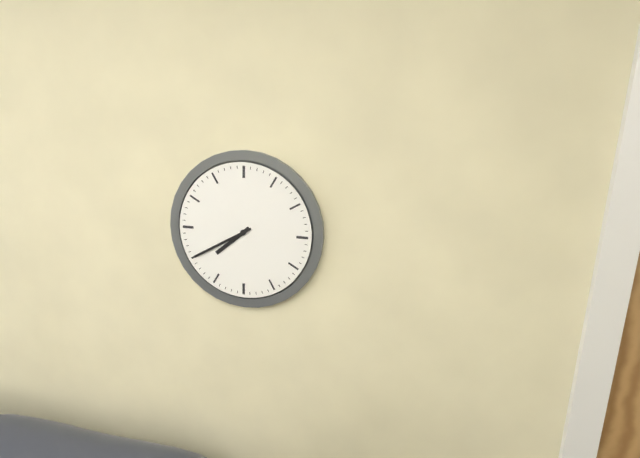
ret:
7,40
